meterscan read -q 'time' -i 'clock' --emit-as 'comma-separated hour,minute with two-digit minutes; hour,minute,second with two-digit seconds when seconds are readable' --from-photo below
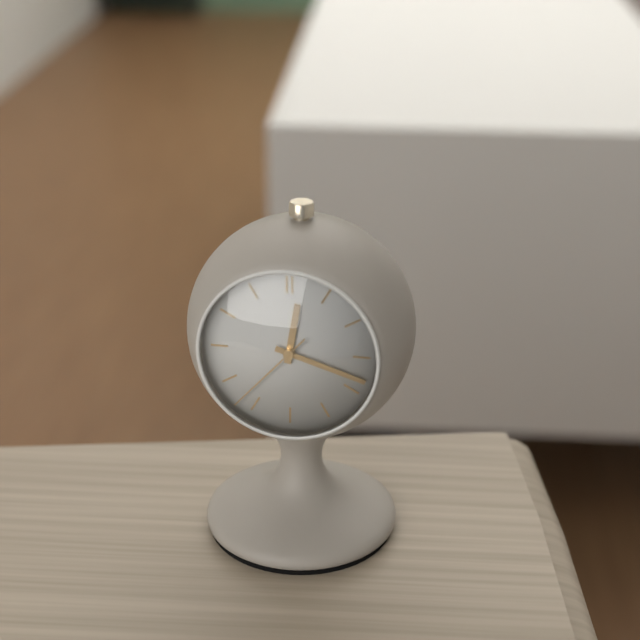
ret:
12,18,37
